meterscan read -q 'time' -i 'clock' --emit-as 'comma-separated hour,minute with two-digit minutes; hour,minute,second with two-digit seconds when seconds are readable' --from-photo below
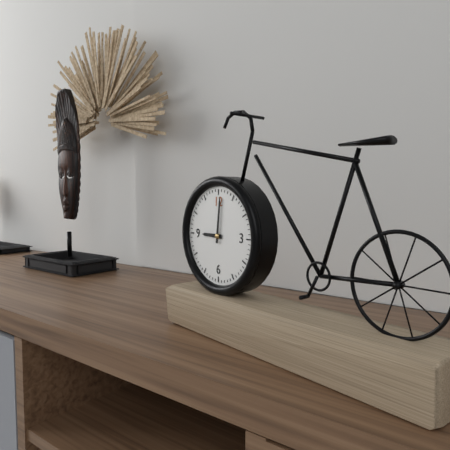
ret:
9,01
